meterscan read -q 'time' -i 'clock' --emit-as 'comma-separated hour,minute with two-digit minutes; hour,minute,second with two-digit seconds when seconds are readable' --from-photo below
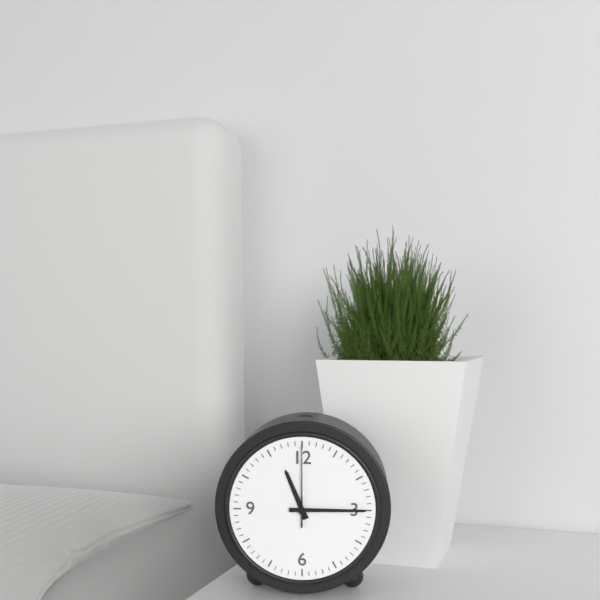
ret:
11,15,00
